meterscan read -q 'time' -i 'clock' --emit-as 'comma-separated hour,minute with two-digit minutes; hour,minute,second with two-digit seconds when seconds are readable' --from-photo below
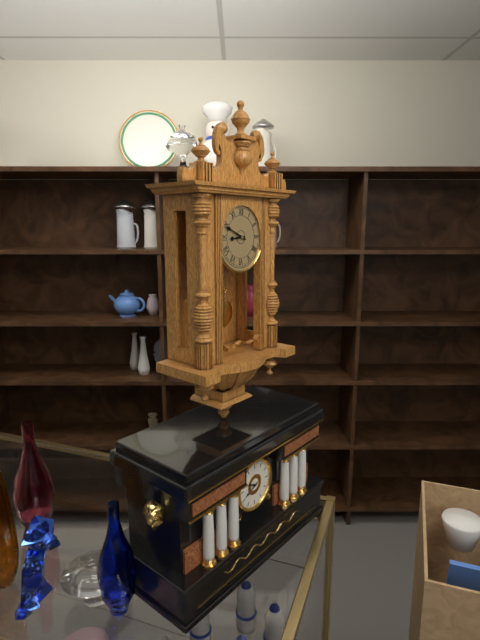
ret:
8,49
